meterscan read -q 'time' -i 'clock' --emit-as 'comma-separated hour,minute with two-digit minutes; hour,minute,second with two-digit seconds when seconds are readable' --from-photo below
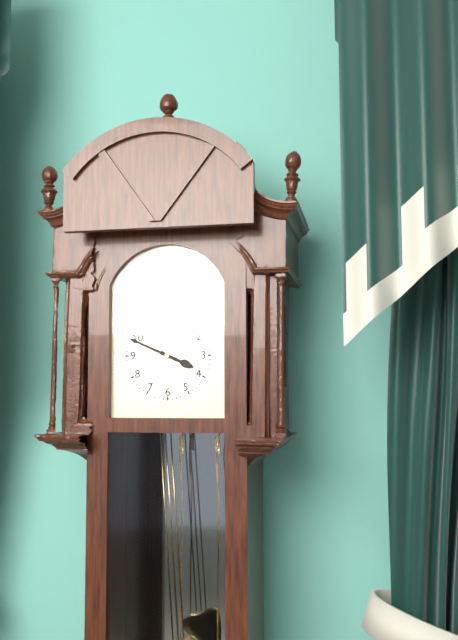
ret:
3,49
